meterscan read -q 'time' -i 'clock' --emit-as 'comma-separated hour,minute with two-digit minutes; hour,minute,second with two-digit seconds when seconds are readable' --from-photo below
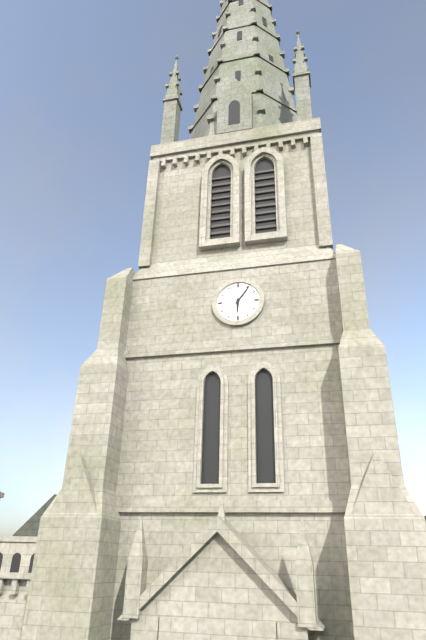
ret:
6,06
